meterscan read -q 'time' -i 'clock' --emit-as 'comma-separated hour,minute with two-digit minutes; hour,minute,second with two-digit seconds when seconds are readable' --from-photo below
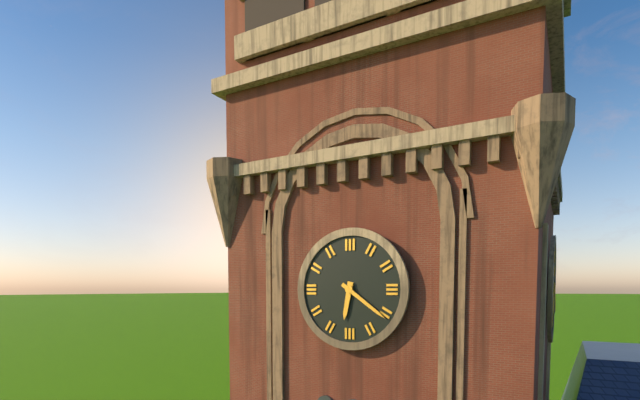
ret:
6,21
